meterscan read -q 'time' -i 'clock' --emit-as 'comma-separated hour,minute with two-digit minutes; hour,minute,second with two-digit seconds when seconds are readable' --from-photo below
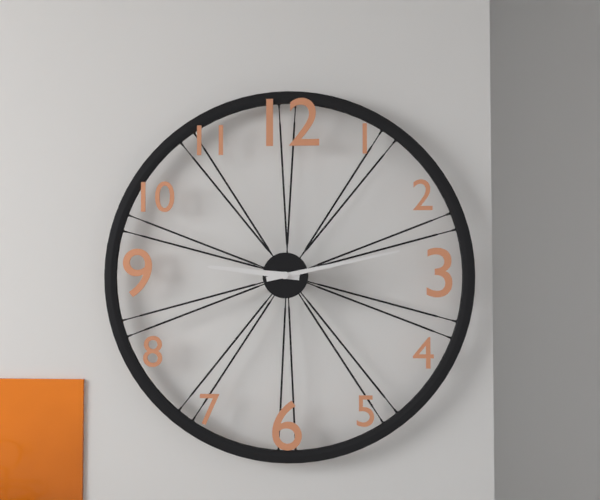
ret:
9,13
